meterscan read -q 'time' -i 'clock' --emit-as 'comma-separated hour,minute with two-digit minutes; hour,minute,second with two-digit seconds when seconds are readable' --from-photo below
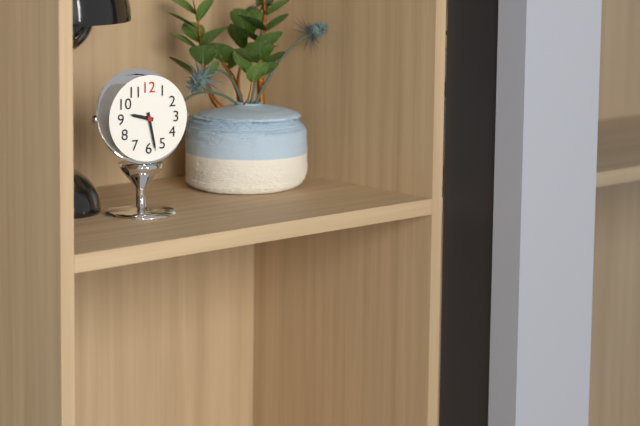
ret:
9,28
